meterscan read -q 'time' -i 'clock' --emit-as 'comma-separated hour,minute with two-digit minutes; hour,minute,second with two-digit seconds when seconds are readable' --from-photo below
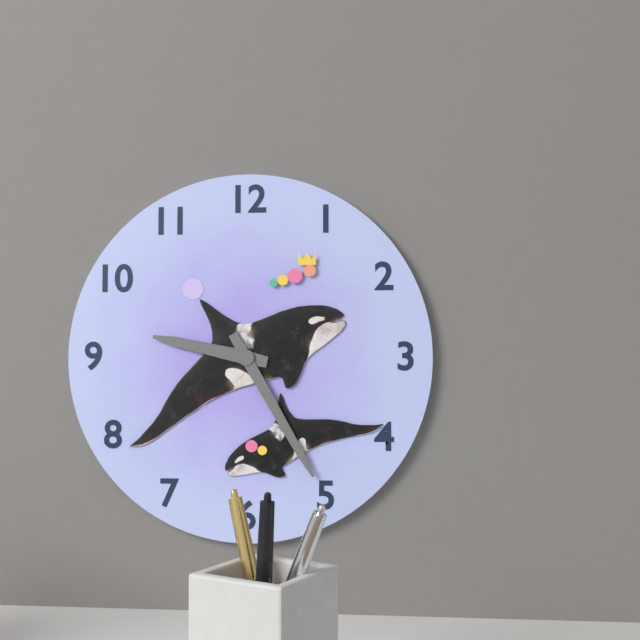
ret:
9,25
